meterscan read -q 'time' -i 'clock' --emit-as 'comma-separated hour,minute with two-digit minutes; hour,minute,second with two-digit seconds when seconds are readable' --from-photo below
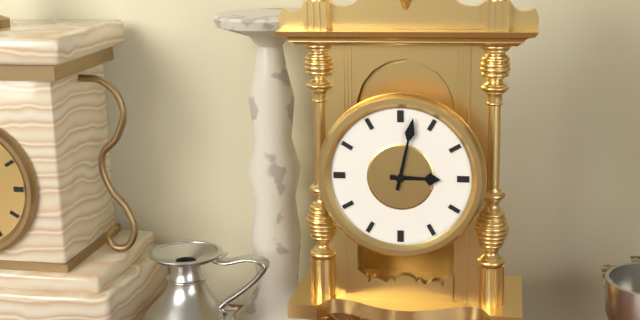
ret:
3,02
